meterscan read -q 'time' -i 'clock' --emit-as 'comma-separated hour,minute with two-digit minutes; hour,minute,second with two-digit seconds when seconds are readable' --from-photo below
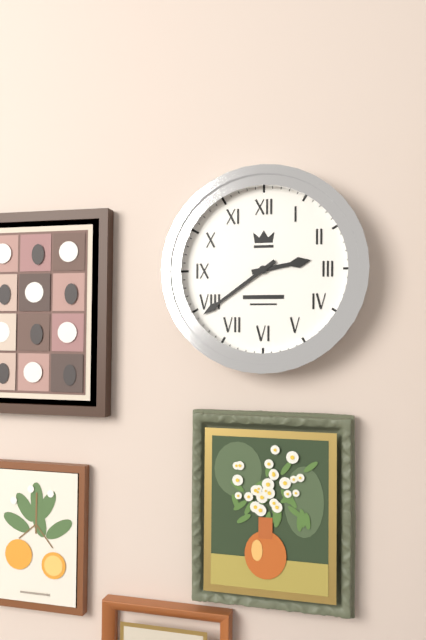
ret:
2,39
